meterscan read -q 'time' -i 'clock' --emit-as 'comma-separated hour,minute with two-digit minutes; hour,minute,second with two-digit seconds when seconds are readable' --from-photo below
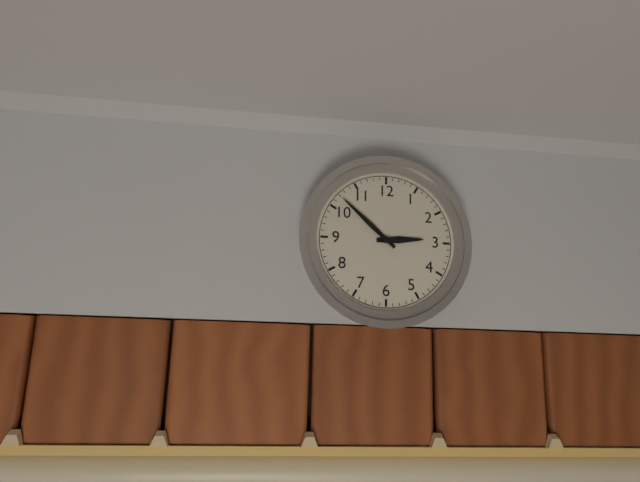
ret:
2,52
